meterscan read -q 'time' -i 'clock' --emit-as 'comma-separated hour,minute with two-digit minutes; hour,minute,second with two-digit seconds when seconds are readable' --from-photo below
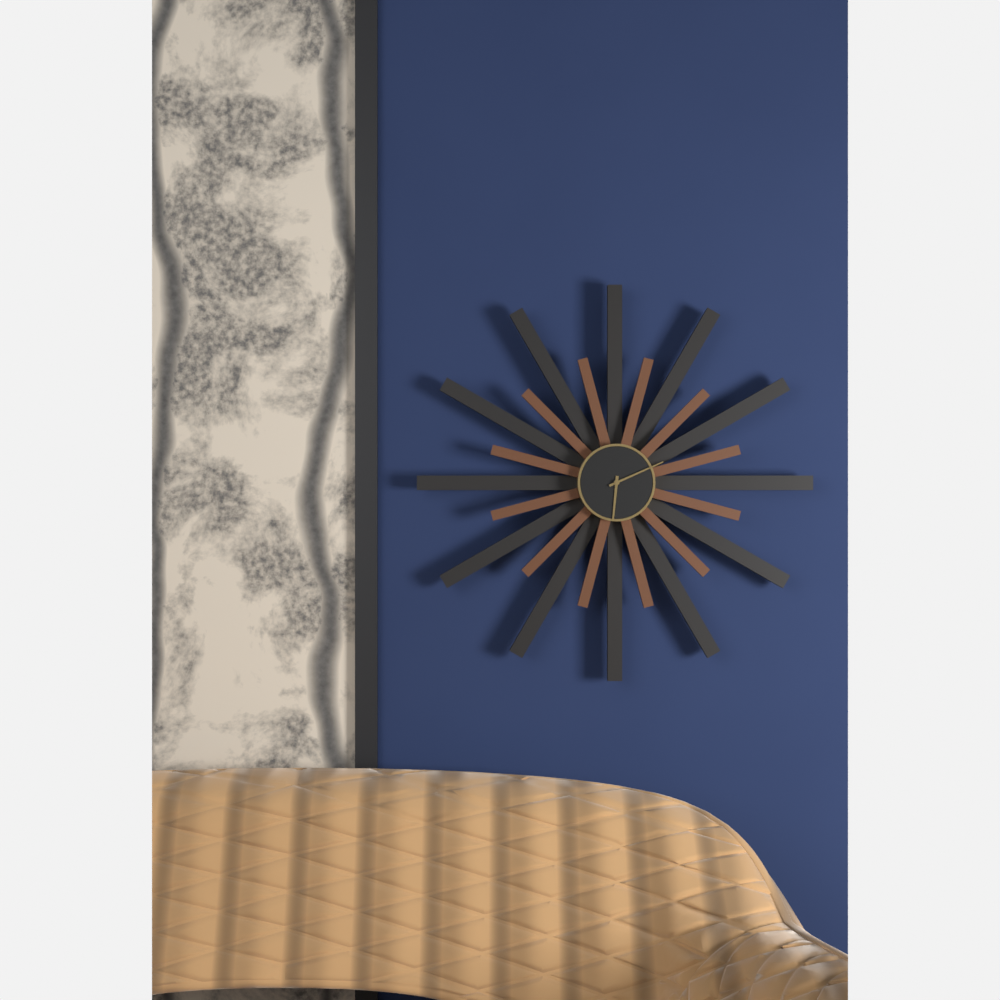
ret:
6,11
